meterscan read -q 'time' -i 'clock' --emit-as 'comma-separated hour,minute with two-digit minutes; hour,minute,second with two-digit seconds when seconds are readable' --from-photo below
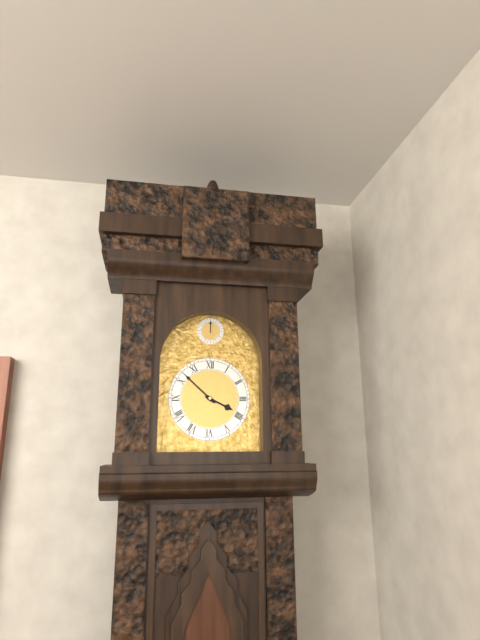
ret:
3,52
